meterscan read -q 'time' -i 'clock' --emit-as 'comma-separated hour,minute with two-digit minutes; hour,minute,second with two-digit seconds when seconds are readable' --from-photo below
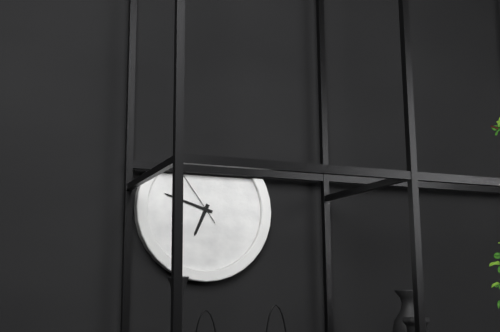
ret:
6,48,54
